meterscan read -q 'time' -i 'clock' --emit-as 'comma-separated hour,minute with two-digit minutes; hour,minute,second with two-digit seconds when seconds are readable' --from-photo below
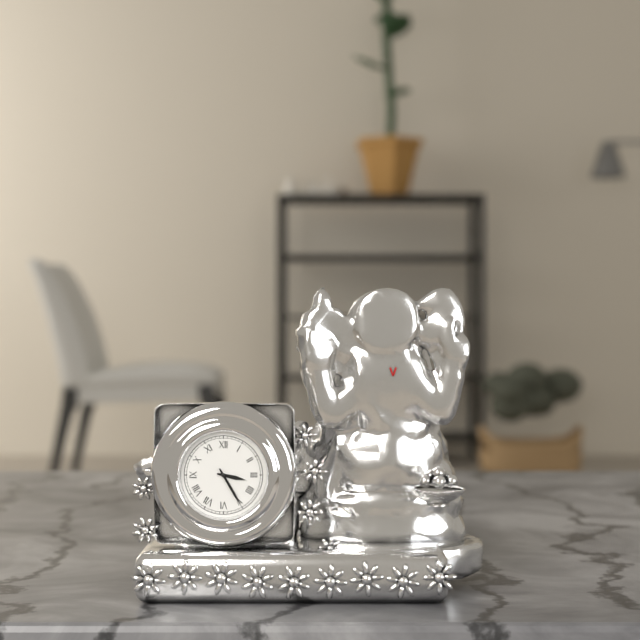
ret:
3,25
